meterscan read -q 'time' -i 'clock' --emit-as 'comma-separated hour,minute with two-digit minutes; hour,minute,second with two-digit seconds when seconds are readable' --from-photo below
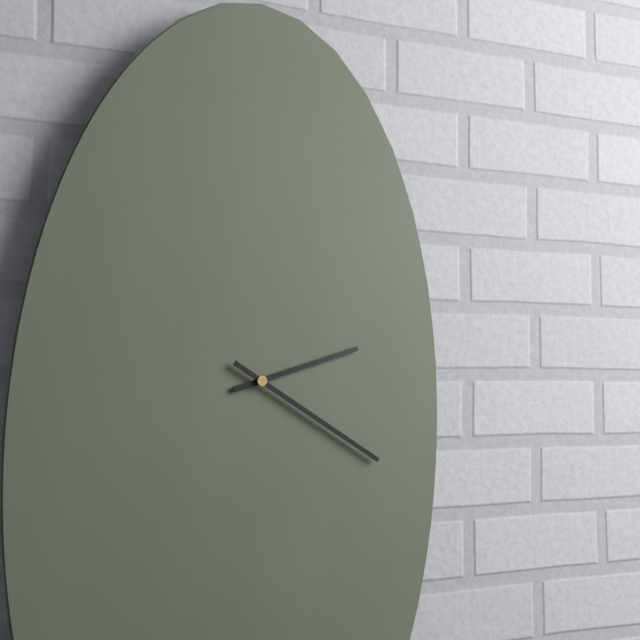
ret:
2,20
